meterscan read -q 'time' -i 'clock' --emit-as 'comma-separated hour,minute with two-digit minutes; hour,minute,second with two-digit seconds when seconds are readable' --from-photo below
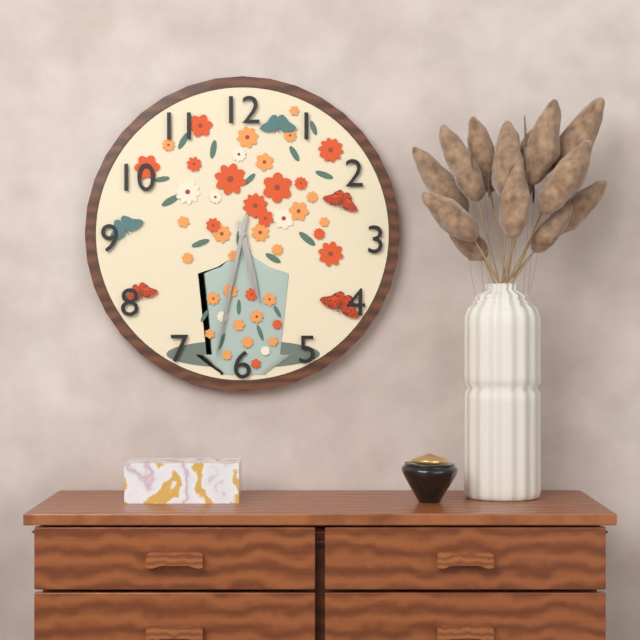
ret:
5,32
